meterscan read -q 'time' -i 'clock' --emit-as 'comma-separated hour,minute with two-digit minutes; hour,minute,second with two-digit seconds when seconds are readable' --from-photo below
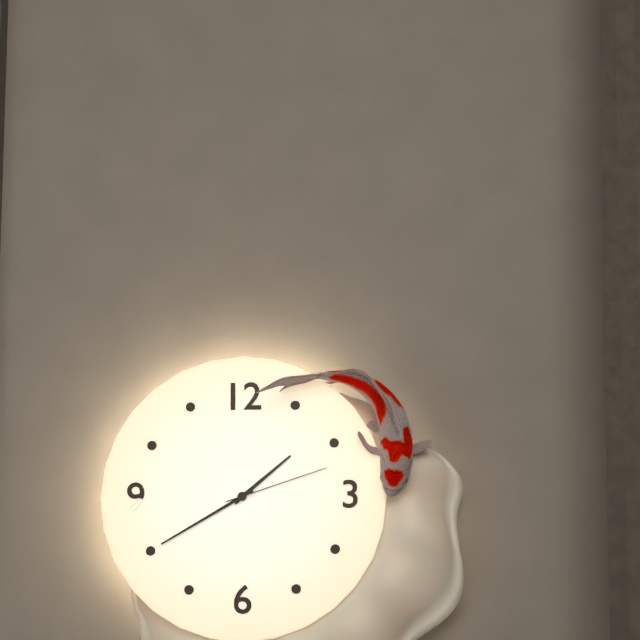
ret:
1,40,12
